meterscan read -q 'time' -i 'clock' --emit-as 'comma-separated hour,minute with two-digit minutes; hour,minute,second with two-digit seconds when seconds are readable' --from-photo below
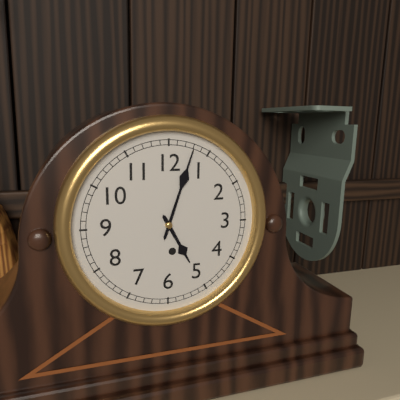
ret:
5,03
